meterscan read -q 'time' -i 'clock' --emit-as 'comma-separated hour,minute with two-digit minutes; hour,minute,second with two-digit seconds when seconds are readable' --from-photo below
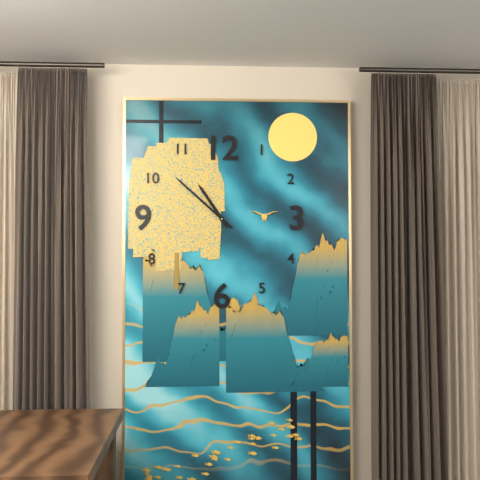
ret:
10,52
